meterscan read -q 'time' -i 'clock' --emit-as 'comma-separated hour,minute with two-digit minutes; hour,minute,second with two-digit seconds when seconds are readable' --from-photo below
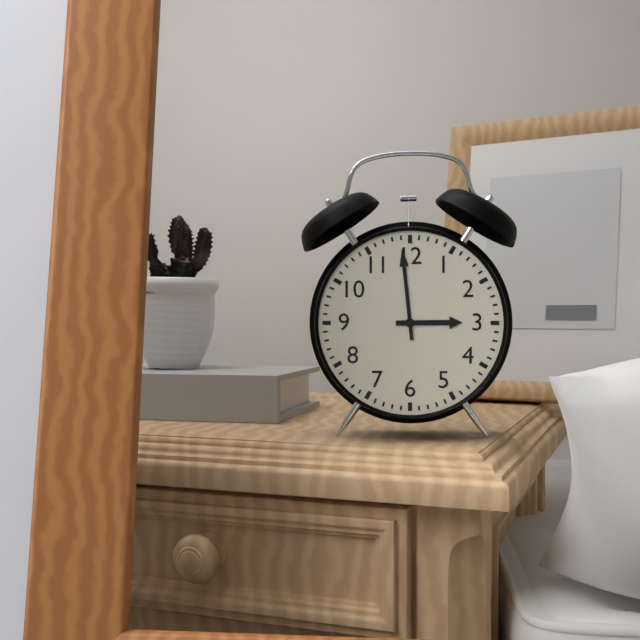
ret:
2,59
